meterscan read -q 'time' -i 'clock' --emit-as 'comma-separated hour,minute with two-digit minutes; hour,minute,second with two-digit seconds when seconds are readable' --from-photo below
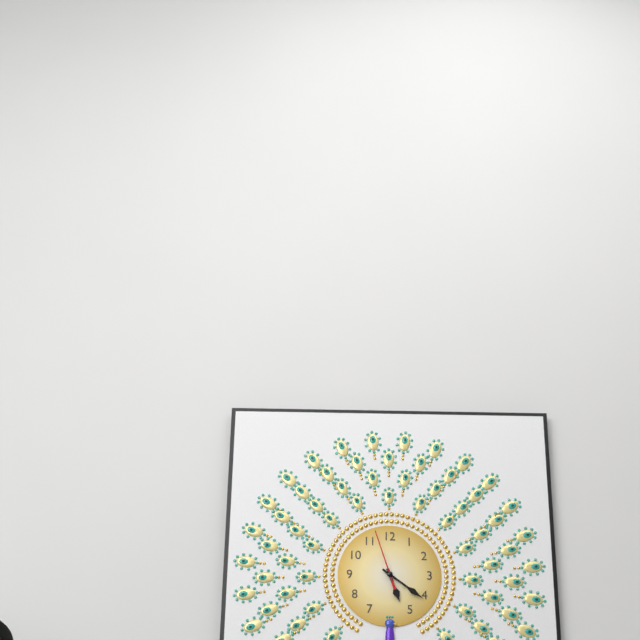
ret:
5,21,57
